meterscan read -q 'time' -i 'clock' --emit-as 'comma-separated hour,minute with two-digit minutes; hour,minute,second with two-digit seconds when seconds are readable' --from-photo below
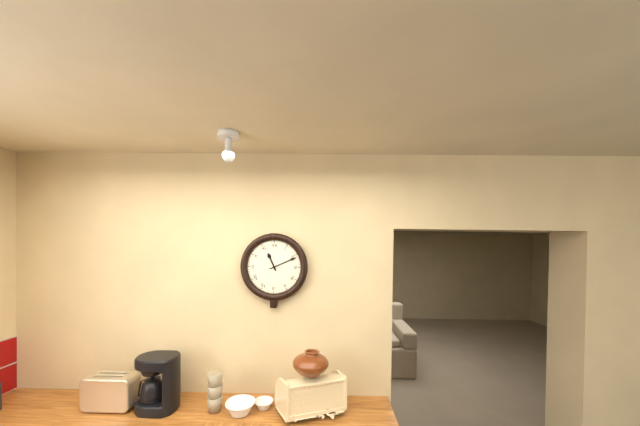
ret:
11,11
